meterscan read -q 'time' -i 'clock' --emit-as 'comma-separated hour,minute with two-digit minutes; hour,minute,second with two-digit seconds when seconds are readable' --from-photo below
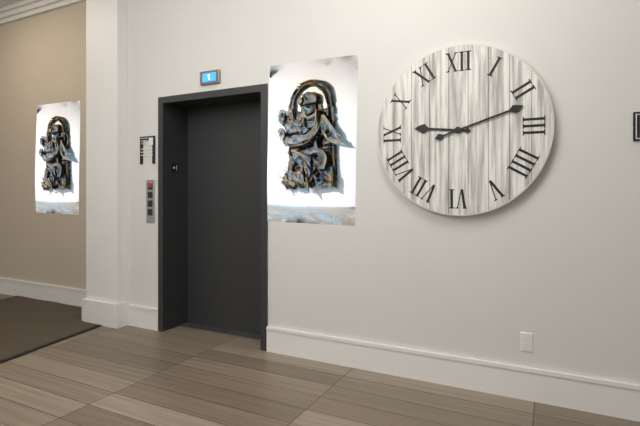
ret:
9,12
